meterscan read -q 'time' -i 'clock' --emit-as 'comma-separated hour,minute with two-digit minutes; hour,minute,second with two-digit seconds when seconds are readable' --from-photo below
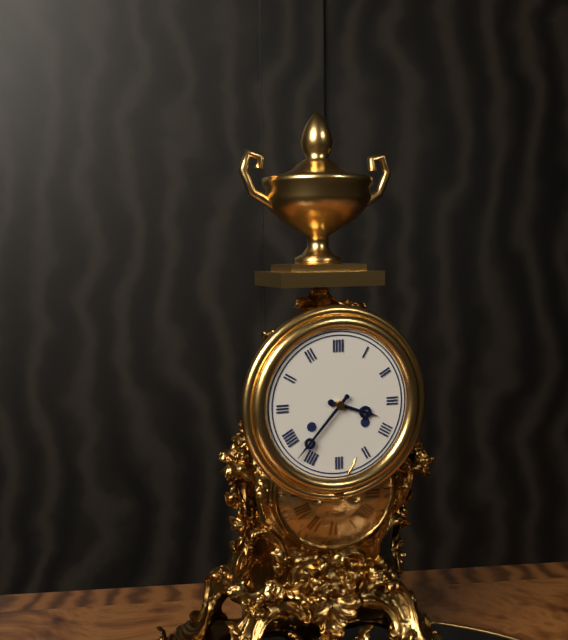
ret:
3,37
